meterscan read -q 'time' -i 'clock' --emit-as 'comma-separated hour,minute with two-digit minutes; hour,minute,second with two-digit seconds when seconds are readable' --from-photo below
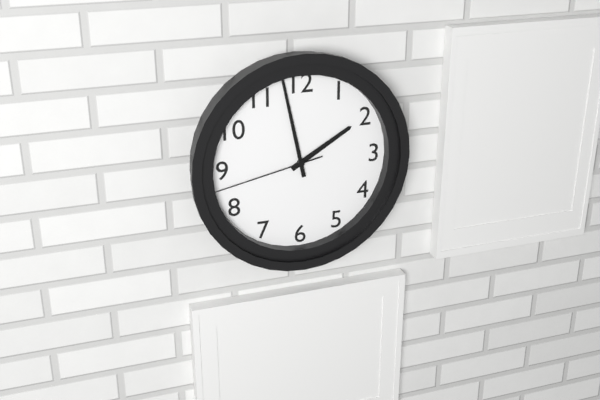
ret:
1,58,43
